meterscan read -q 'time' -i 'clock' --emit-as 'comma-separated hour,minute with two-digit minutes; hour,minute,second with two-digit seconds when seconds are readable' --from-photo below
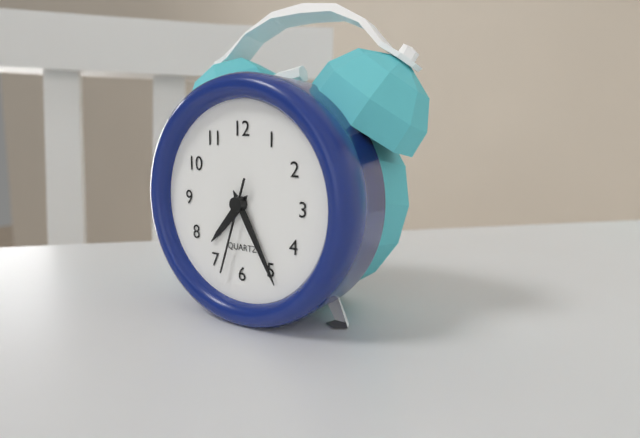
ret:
7,25,33
